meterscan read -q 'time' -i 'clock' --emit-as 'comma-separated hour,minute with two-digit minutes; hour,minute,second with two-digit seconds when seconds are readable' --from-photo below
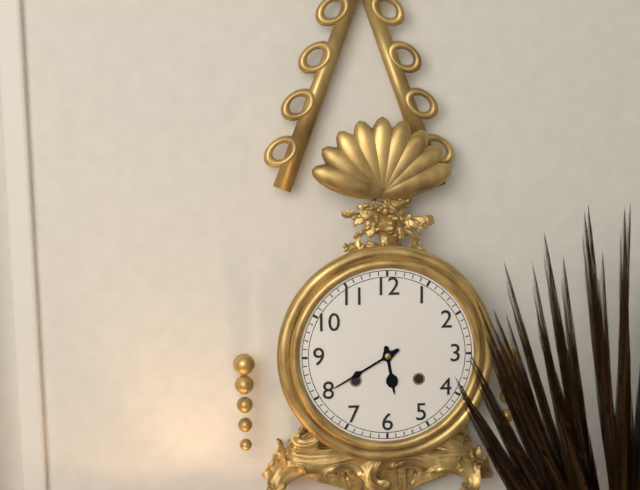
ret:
5,40
